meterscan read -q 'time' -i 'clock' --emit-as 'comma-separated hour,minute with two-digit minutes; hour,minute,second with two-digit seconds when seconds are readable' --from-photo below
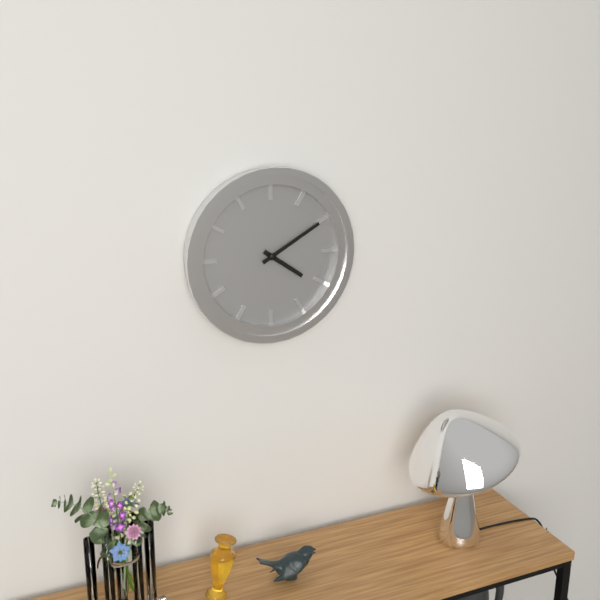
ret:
4,10
